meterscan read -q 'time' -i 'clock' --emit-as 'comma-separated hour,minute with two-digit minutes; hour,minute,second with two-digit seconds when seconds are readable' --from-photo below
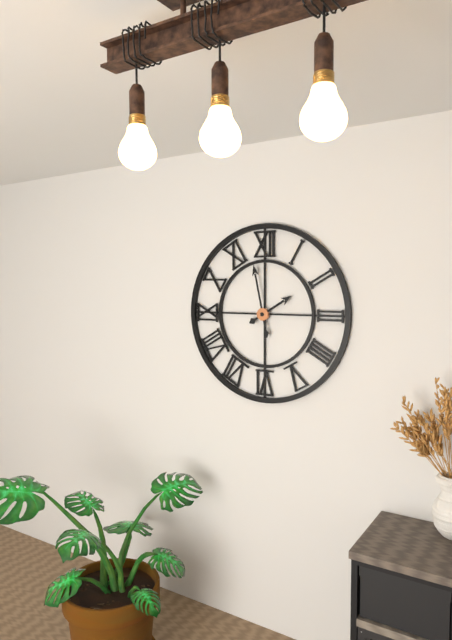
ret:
1,58
